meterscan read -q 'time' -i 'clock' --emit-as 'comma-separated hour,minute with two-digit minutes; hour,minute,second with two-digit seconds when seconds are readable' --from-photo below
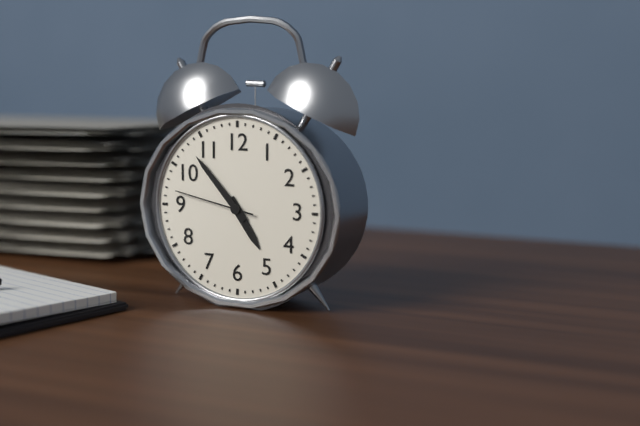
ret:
4,53,47
